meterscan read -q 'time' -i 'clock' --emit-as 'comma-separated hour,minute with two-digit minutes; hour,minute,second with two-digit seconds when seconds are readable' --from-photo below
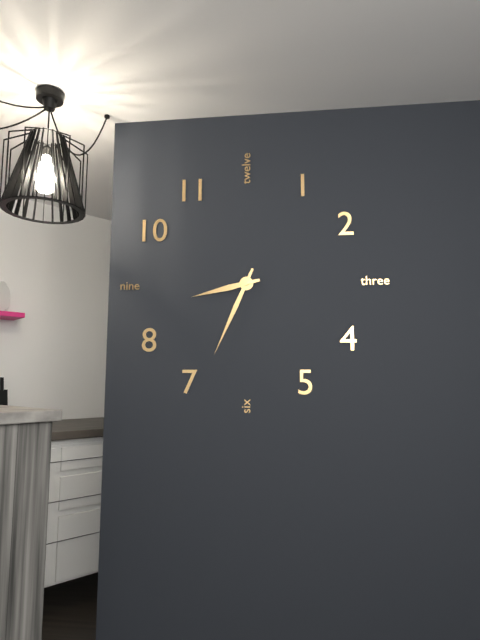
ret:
8,34
